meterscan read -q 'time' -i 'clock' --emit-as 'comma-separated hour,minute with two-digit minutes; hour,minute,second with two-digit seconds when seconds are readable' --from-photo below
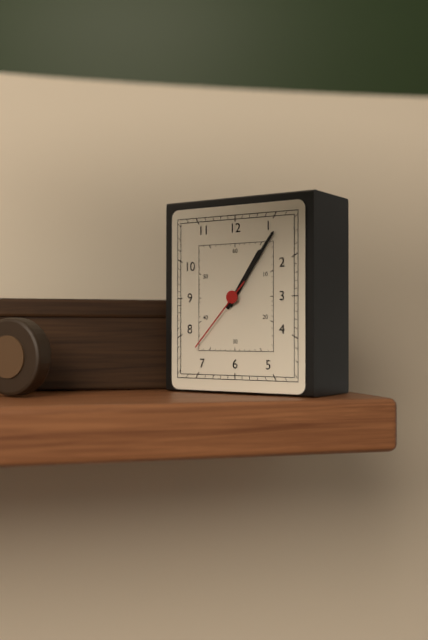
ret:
1,06,37
